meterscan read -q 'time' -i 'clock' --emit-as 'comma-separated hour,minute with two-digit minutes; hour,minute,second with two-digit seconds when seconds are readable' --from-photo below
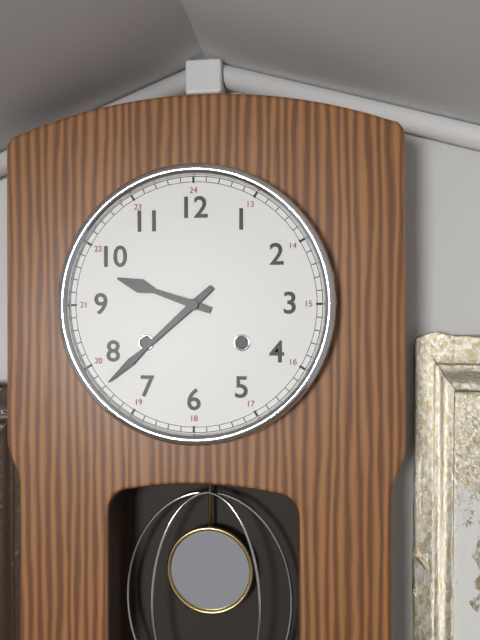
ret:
9,38
